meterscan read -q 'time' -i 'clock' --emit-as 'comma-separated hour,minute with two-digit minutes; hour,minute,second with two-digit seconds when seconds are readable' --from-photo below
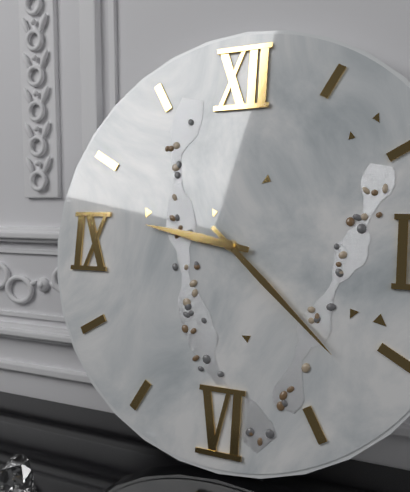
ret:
9,22
